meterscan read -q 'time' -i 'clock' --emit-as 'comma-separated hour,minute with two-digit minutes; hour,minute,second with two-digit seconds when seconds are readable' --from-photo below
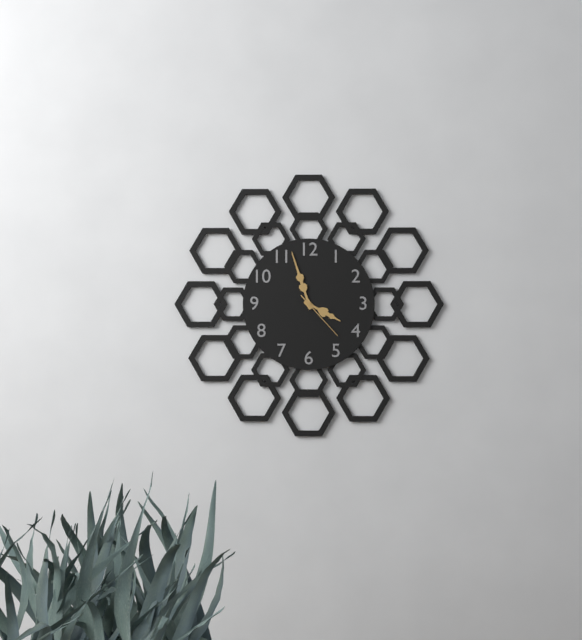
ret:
3,57,23
